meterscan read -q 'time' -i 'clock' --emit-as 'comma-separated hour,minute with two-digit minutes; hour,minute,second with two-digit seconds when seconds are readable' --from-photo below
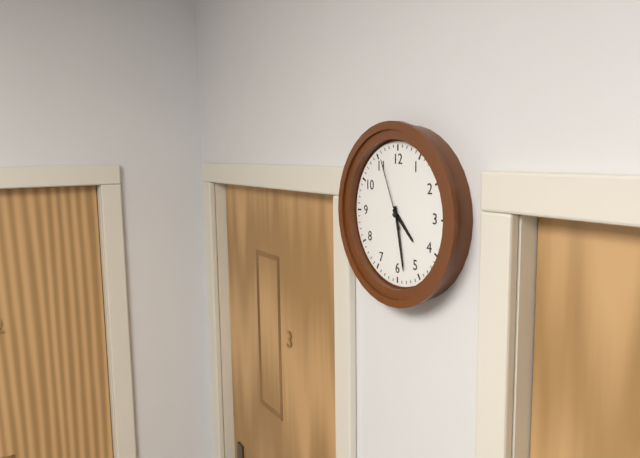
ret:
4,28,56
